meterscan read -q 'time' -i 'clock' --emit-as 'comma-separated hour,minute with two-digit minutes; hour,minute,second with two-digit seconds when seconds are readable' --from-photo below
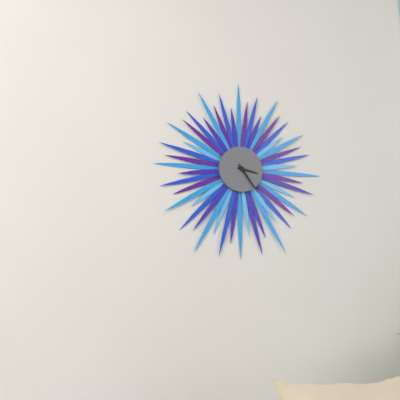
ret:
3,24
